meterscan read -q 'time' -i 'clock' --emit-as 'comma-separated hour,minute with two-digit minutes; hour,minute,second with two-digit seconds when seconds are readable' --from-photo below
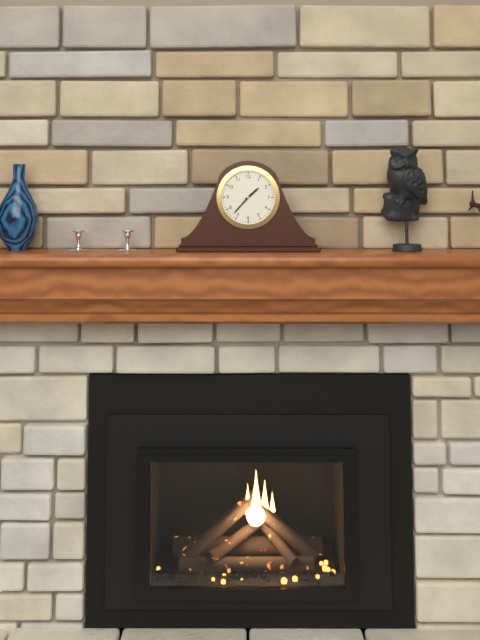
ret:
1,37
